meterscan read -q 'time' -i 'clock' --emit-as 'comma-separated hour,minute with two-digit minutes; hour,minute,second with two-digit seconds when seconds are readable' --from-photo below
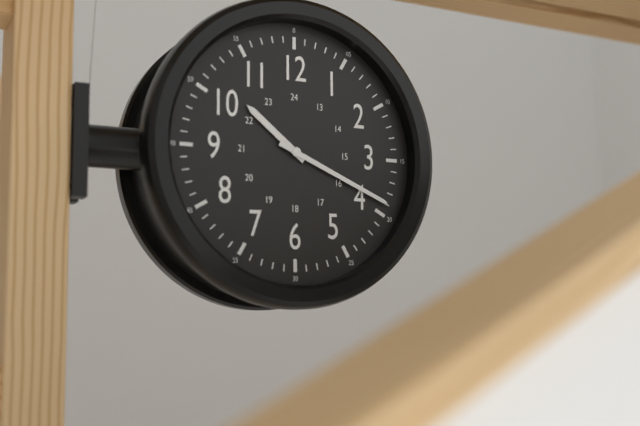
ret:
10,19
